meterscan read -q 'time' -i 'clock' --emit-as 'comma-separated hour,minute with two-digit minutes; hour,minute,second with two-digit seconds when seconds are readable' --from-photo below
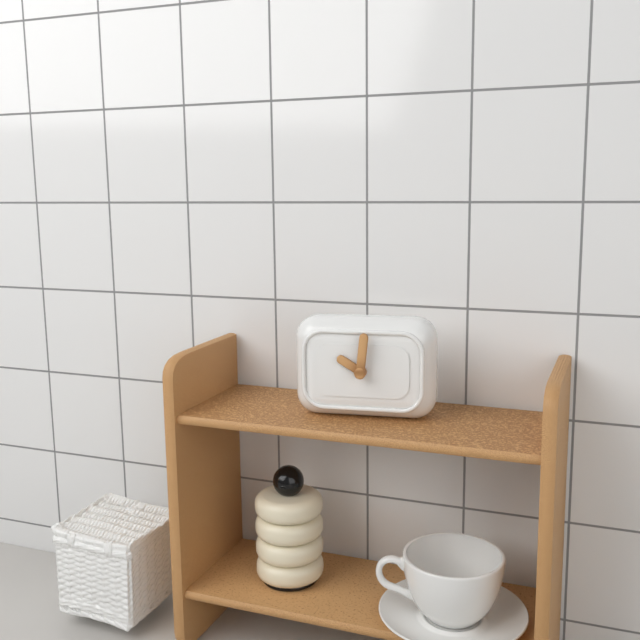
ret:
10,01
